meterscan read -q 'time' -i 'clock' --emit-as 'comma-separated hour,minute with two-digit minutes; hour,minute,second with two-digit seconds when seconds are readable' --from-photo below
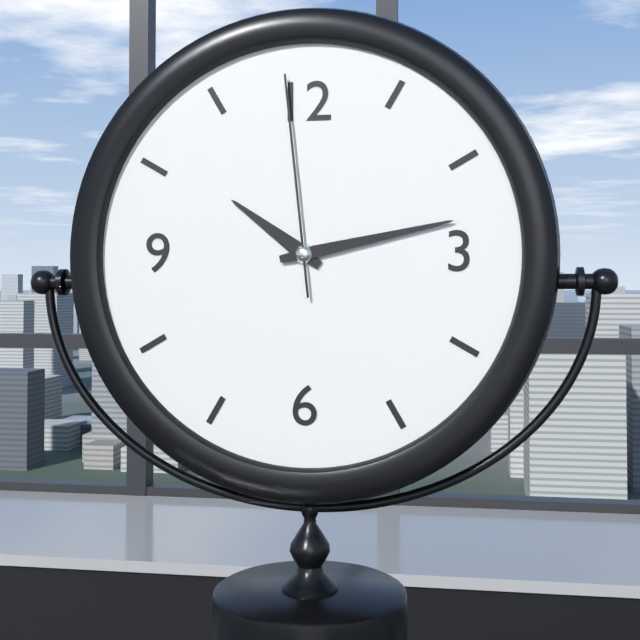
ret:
10,13,59
